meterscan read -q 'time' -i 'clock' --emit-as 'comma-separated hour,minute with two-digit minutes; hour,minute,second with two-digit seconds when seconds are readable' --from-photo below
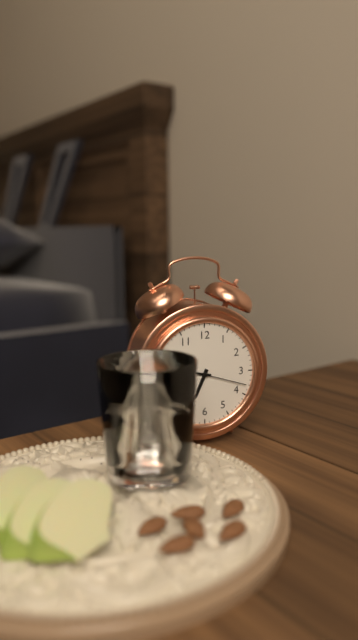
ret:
6,47,18
